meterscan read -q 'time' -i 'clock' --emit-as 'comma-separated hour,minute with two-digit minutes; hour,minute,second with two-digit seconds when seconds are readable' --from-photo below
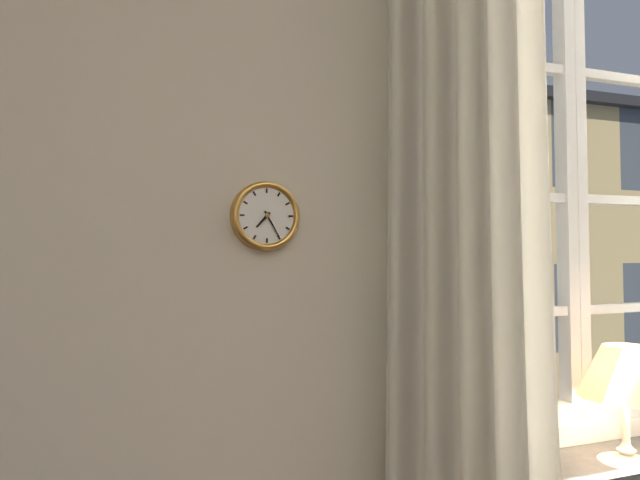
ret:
7,25
